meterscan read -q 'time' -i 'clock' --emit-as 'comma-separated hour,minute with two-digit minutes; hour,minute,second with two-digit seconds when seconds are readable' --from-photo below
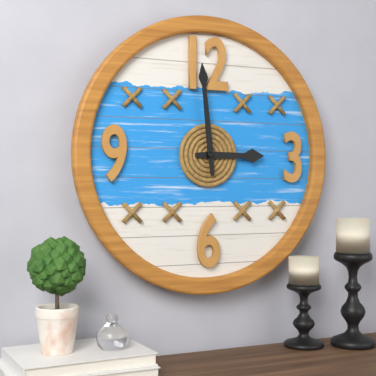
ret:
2,59
